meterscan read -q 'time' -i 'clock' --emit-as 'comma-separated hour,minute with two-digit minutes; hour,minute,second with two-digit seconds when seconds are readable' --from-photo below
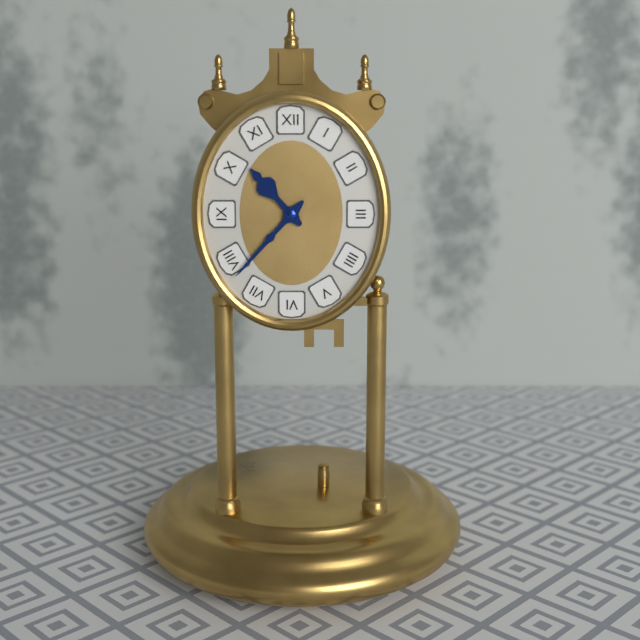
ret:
10,37
